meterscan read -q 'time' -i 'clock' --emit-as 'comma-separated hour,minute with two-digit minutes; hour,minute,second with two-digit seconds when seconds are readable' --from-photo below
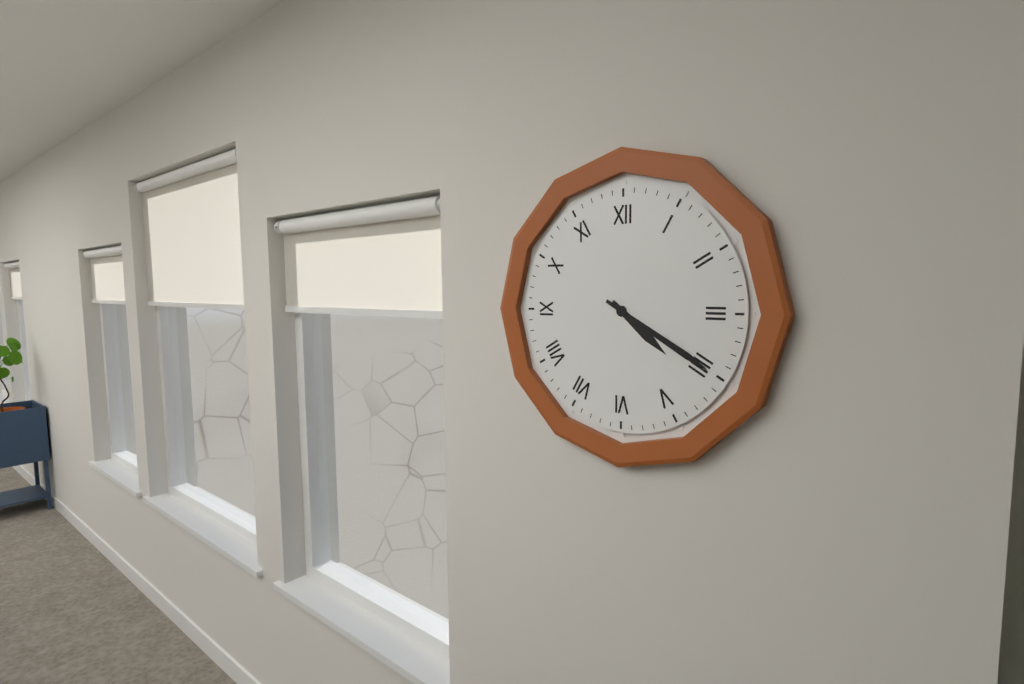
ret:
4,20
